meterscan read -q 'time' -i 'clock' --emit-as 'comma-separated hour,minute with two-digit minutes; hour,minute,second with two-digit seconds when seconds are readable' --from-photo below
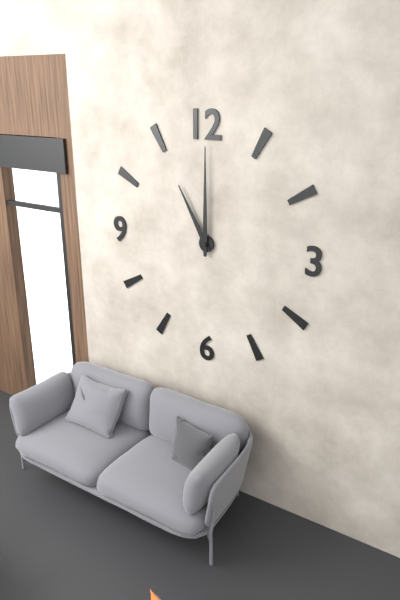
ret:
11,00
